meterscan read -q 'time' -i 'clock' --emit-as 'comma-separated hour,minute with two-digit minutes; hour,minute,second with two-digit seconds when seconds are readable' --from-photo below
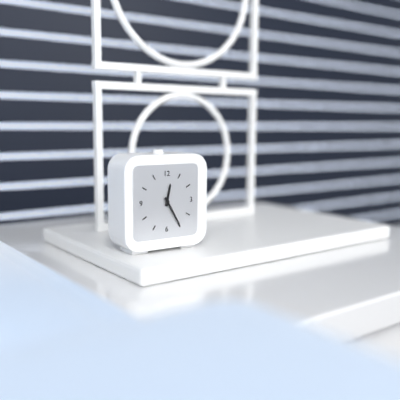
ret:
12,25
